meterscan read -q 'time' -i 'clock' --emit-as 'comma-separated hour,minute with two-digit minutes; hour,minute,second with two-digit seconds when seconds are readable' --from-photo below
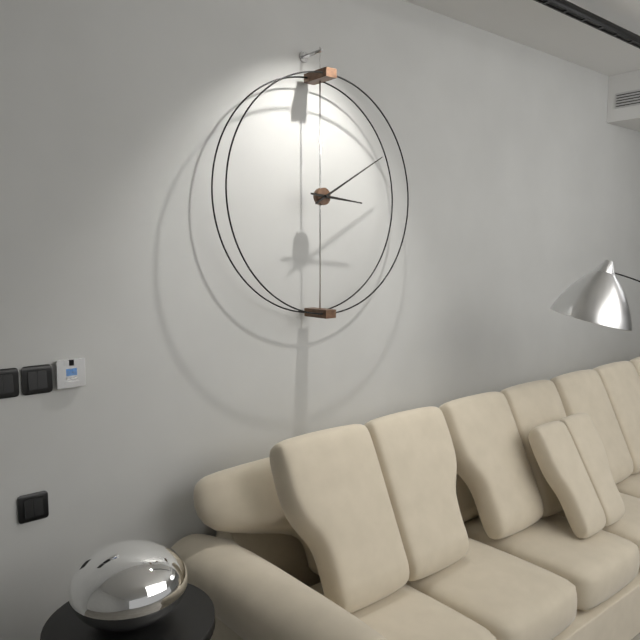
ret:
3,10
